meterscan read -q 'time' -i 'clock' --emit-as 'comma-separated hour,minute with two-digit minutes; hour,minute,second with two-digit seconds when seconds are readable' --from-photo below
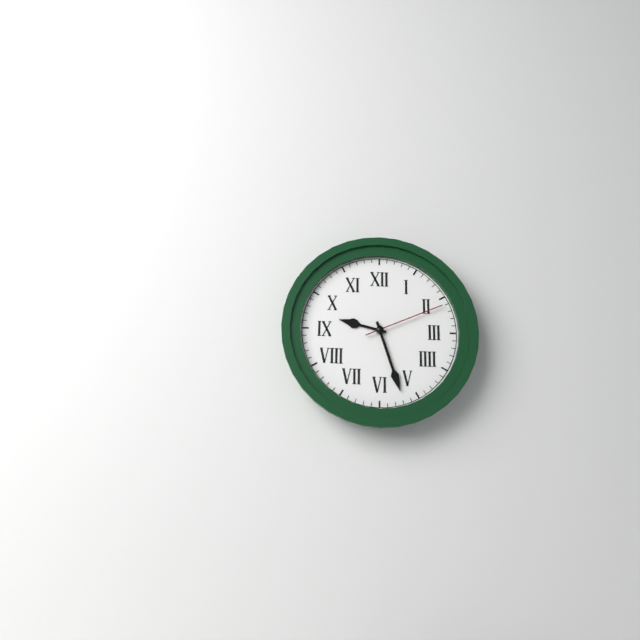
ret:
9,27,11
